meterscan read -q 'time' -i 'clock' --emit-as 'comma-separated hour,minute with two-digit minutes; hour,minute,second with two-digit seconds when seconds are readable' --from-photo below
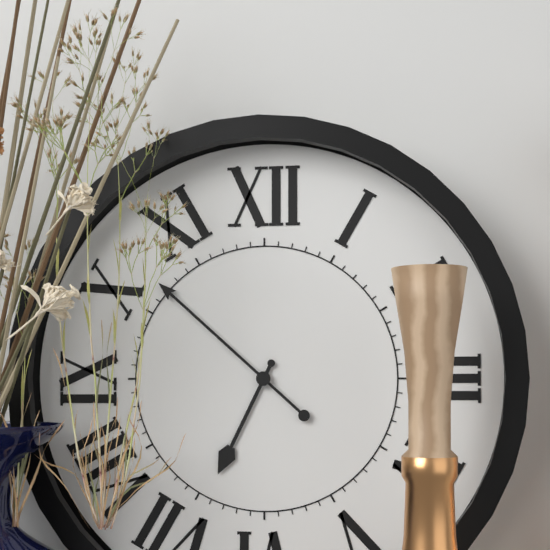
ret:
6,52
